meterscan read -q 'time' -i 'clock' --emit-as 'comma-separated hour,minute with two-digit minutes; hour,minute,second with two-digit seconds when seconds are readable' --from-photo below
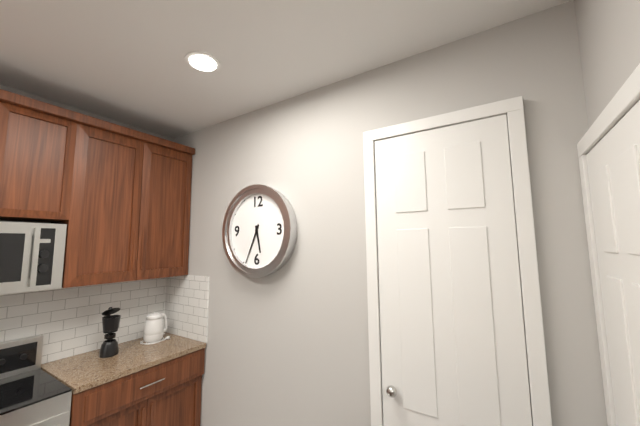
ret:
5,34
